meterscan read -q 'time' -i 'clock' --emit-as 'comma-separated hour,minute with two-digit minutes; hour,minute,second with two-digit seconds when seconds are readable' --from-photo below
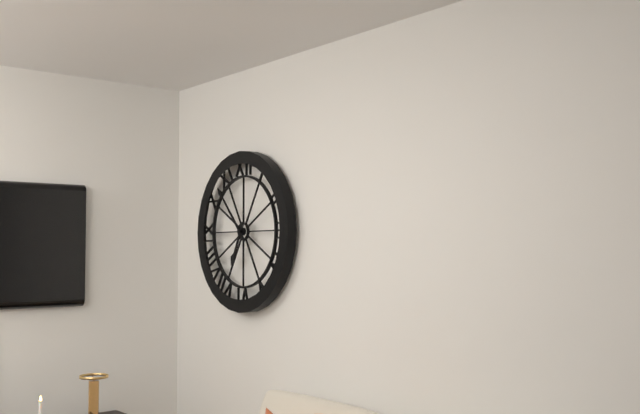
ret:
6,53
